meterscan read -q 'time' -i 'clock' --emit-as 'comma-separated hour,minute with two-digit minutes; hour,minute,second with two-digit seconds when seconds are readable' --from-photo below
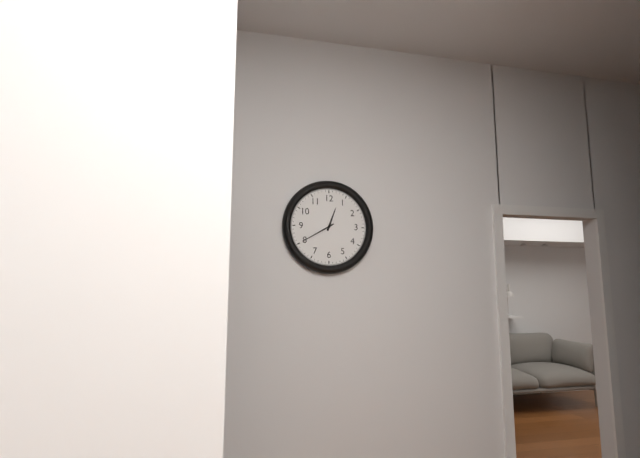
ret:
12,40
